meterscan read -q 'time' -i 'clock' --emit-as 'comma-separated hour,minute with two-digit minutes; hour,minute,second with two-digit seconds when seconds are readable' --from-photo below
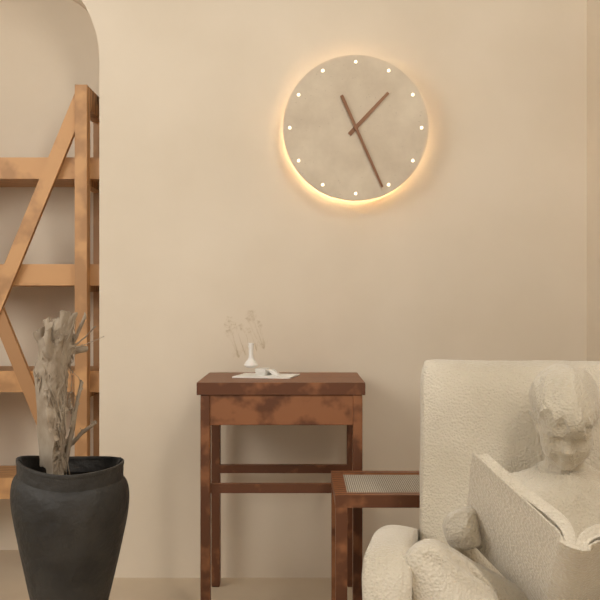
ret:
1,26
